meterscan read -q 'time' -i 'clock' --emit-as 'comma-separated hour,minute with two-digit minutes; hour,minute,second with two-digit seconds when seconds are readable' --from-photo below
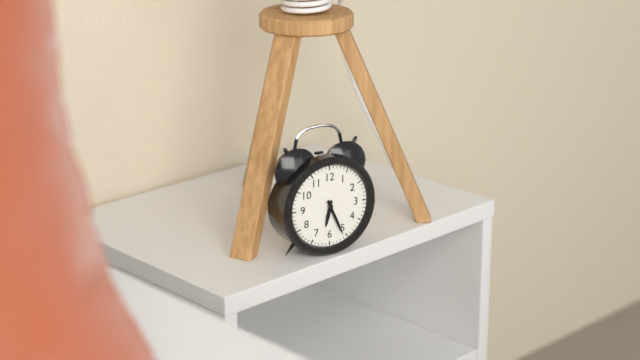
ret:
6,26
